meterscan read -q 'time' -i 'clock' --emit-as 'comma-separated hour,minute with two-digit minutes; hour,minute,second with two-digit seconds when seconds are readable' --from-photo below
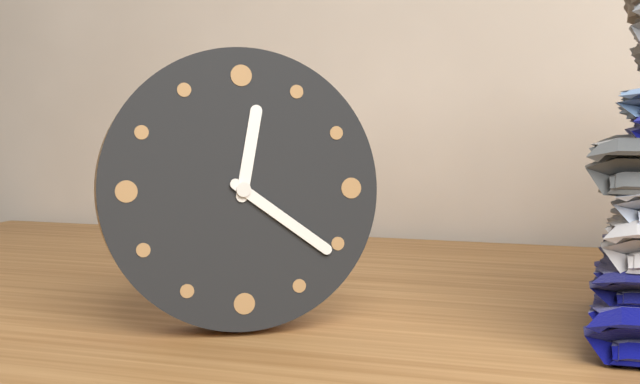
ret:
12,21
